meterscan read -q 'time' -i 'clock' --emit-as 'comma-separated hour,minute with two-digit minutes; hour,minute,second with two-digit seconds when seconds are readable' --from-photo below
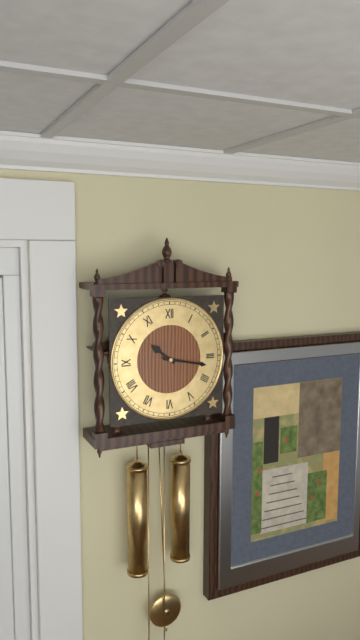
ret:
10,17
